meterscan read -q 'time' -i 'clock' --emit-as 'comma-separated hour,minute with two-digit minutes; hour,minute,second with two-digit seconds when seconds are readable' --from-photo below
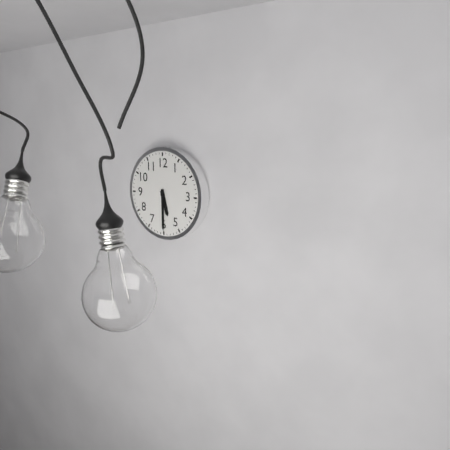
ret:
5,30
